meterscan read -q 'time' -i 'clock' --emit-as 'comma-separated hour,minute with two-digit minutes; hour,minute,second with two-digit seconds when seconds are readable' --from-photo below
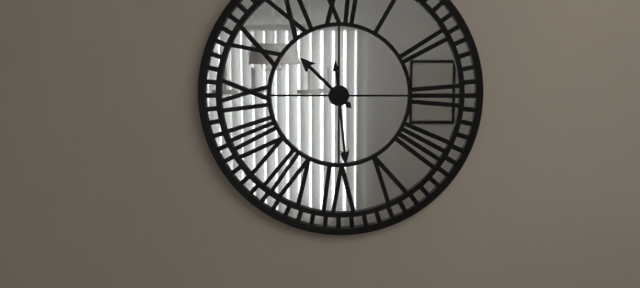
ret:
10,29
